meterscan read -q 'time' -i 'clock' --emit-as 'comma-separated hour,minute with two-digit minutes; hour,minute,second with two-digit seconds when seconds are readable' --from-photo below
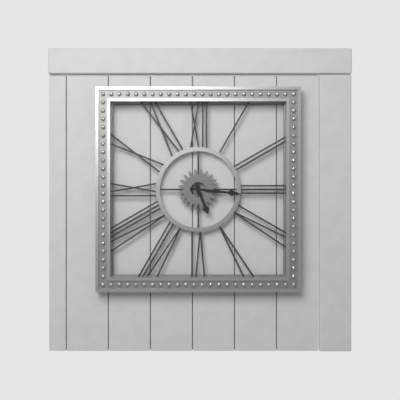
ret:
5,16
